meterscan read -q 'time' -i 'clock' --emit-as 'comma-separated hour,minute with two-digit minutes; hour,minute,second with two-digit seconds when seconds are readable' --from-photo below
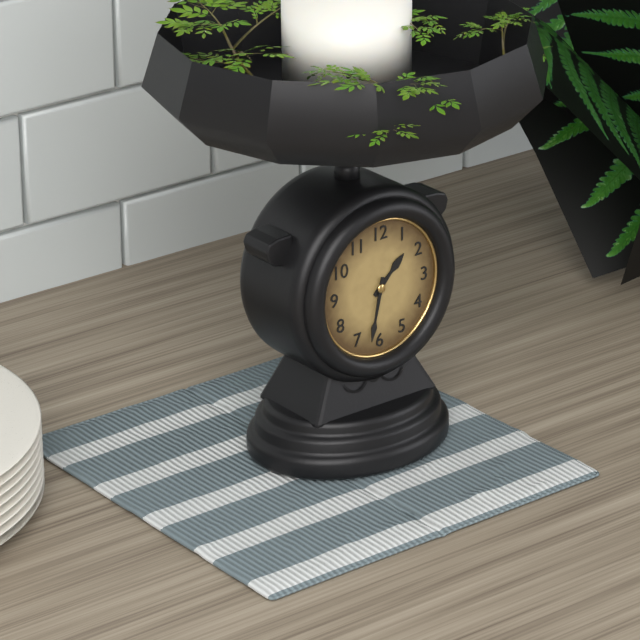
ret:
1,32
